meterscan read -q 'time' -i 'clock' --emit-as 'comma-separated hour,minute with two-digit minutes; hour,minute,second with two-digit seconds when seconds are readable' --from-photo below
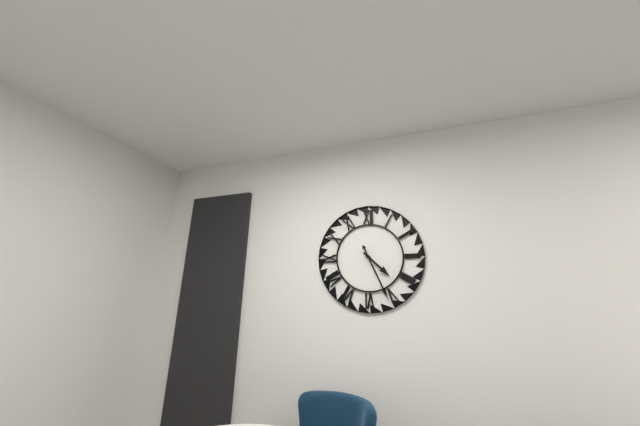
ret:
4,26
